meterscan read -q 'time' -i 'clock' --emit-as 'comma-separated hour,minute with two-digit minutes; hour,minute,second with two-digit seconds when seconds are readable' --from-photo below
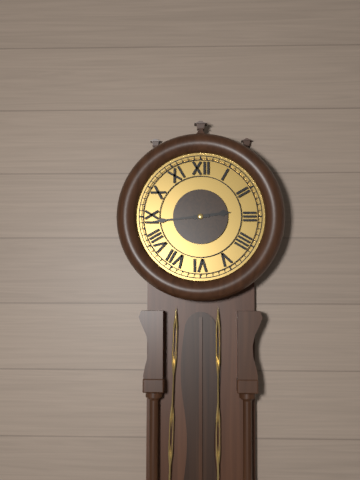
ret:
2,44
